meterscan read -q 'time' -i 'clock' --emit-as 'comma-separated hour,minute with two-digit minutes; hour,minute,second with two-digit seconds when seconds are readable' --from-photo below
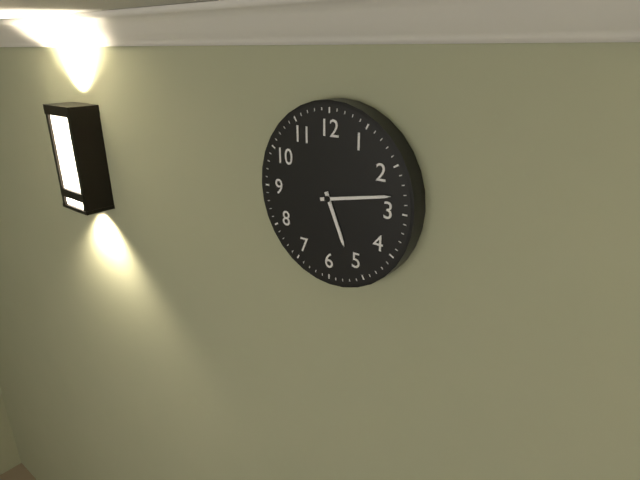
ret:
5,13
